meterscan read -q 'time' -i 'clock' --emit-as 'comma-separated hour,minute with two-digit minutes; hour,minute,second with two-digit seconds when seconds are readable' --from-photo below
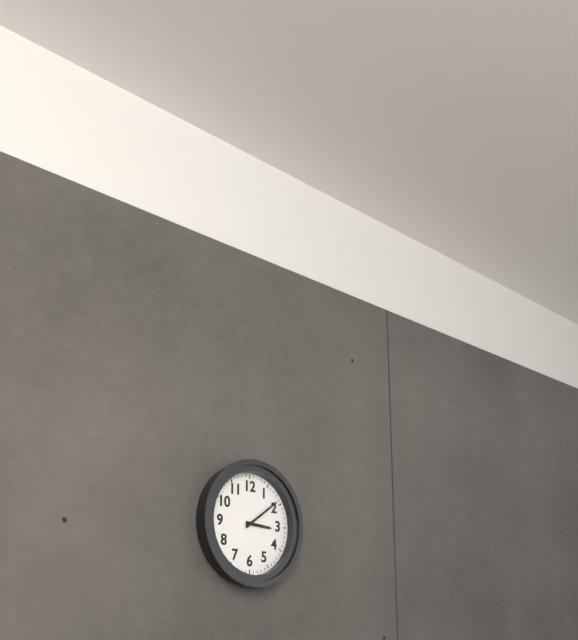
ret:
3,09
